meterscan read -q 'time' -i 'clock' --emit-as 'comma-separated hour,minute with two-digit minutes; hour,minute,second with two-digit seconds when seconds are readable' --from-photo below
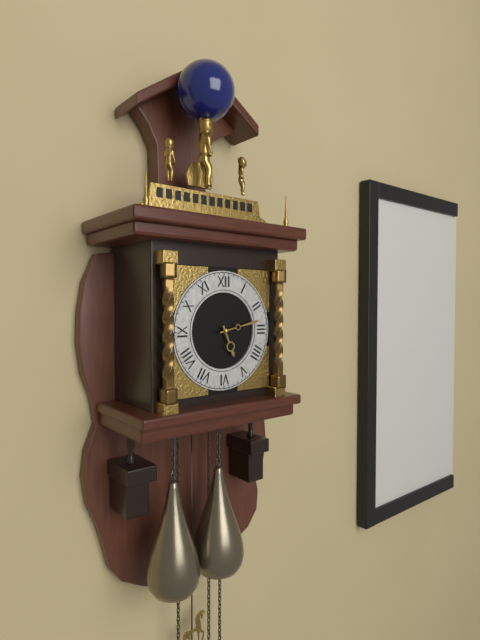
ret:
5,13
